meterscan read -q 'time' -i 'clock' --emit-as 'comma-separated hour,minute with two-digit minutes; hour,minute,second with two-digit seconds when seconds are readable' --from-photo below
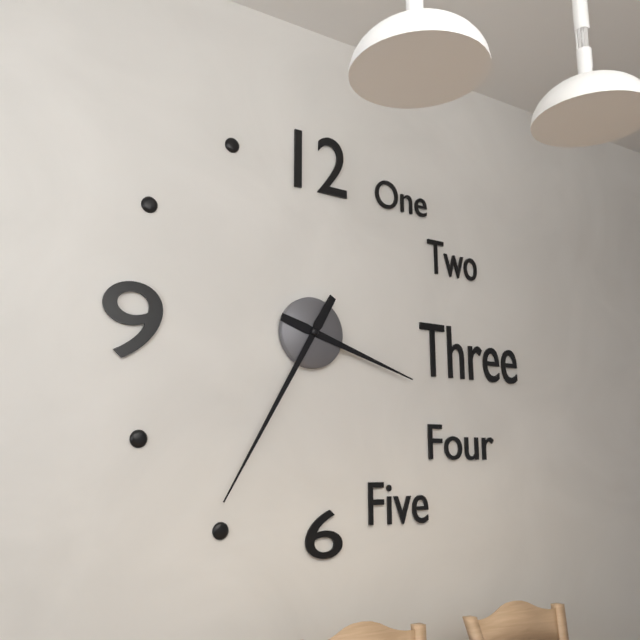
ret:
3,35
